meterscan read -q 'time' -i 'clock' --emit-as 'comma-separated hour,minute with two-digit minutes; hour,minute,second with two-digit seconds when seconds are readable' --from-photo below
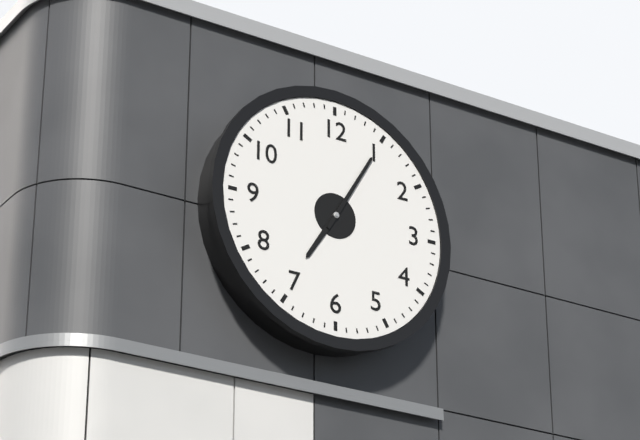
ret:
7,05
